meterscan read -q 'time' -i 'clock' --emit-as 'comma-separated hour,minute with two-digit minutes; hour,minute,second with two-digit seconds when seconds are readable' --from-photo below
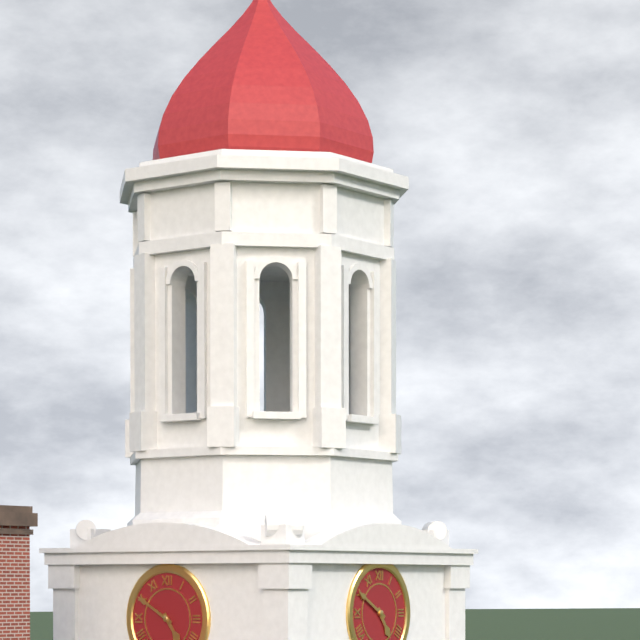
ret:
4,50
